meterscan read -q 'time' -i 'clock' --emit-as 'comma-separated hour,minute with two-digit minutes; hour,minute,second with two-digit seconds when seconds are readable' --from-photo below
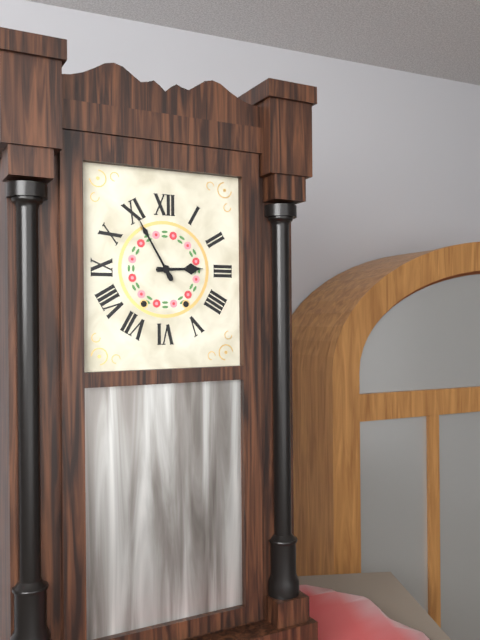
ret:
2,55
